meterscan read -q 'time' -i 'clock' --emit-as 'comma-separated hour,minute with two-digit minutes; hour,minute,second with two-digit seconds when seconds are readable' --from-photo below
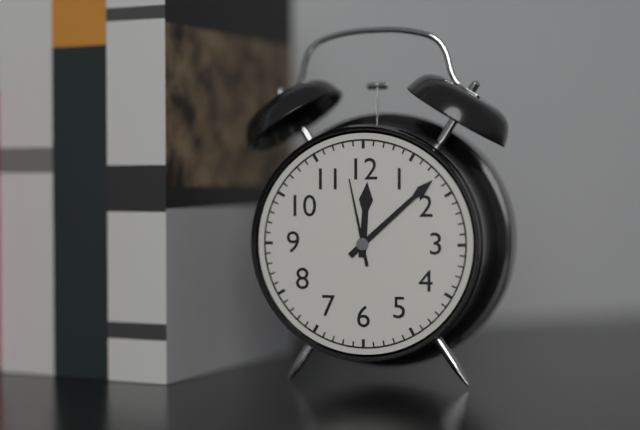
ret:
12,08,58
